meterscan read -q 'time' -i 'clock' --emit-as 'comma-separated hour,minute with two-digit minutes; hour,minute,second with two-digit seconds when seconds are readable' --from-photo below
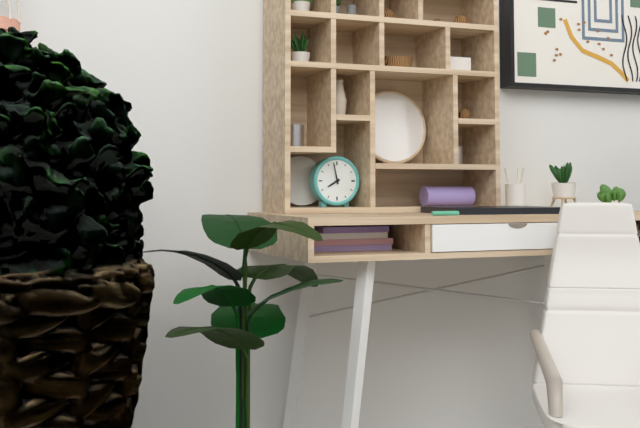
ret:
7,58
